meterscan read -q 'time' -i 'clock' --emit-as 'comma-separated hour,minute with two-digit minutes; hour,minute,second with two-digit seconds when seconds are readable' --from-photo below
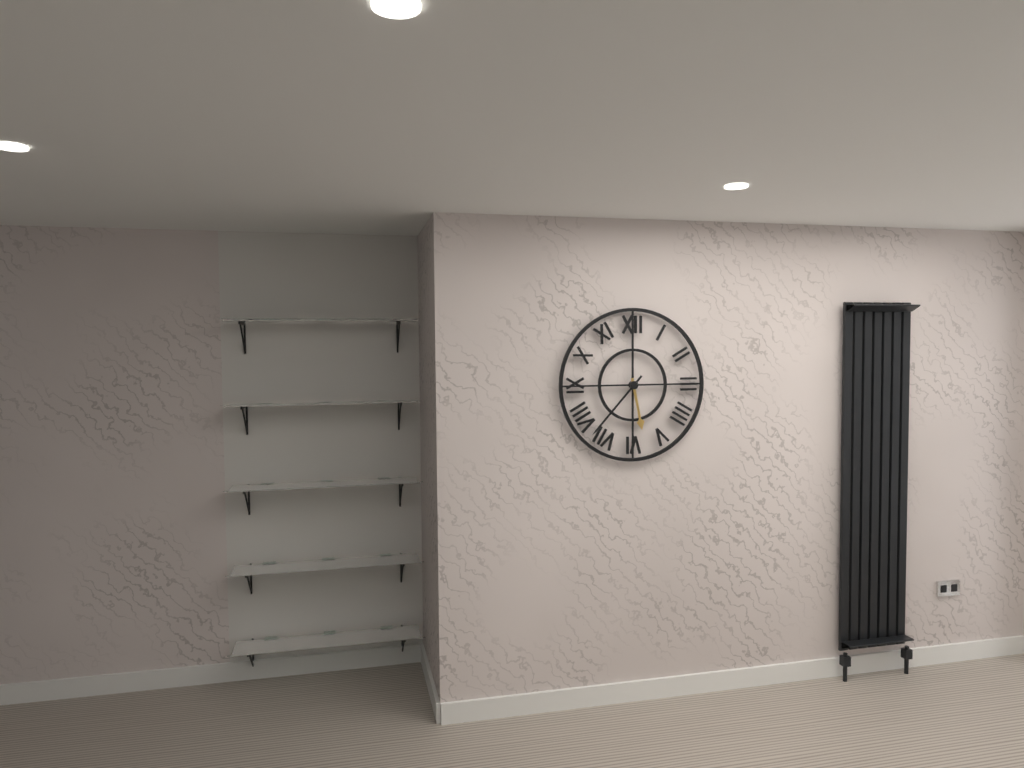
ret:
5,37
